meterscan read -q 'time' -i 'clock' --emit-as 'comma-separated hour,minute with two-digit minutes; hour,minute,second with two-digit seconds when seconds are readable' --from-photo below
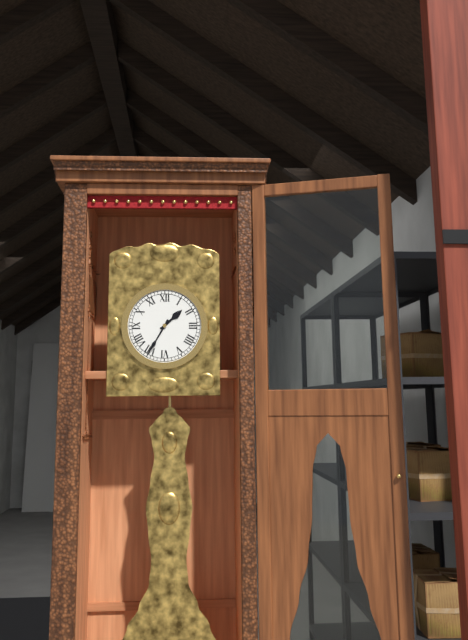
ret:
1,35
